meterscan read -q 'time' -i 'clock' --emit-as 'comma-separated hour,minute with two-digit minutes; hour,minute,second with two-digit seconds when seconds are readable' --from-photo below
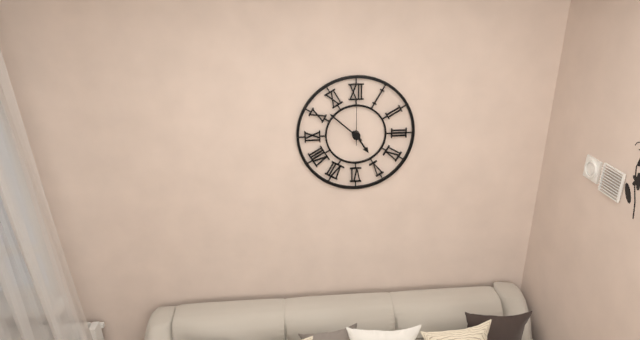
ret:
4,52
